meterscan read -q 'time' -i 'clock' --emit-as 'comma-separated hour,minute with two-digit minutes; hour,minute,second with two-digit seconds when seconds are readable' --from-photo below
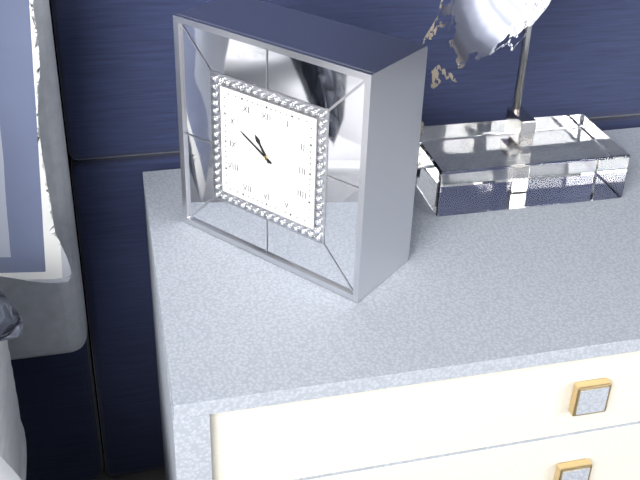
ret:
10,50
